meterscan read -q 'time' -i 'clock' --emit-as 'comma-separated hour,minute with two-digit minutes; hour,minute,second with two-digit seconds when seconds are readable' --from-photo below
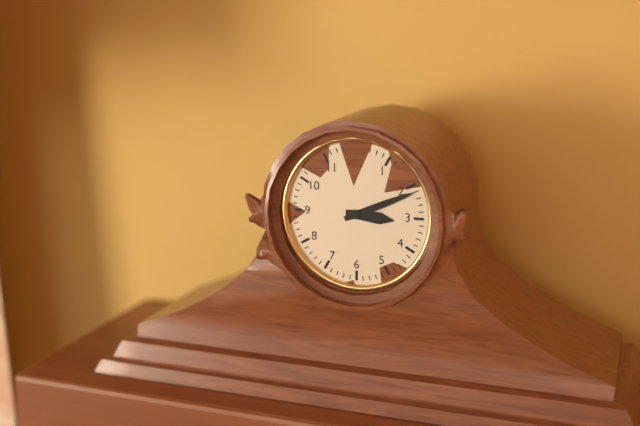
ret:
3,11
